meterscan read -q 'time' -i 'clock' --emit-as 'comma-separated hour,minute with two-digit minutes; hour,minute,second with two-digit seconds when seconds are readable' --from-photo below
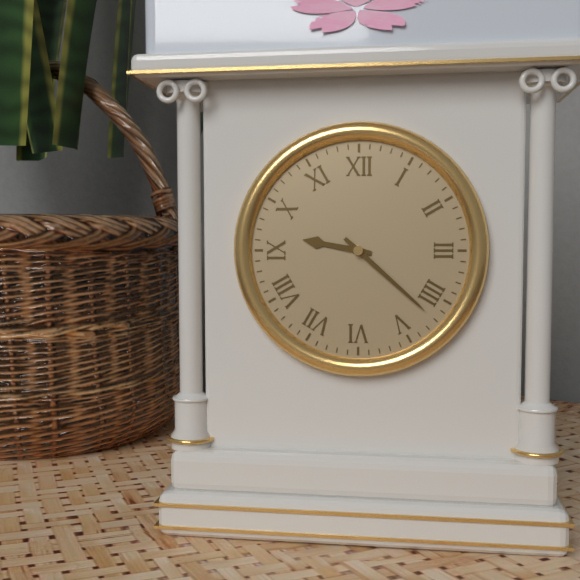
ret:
9,22
